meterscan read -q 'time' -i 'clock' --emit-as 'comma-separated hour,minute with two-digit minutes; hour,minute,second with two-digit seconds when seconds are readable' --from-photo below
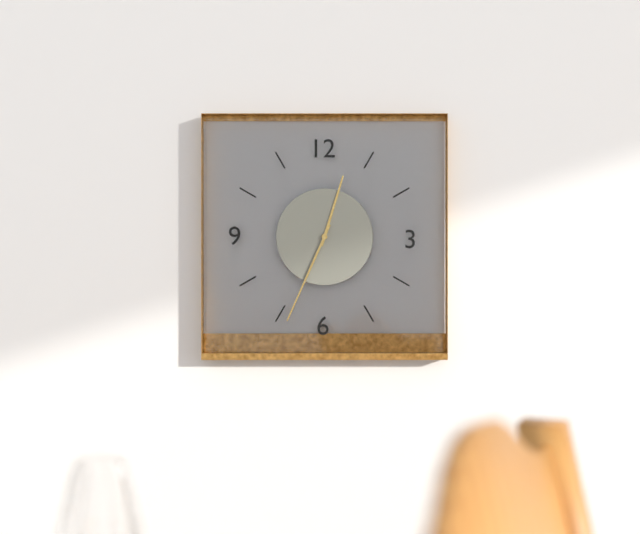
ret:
12,34
